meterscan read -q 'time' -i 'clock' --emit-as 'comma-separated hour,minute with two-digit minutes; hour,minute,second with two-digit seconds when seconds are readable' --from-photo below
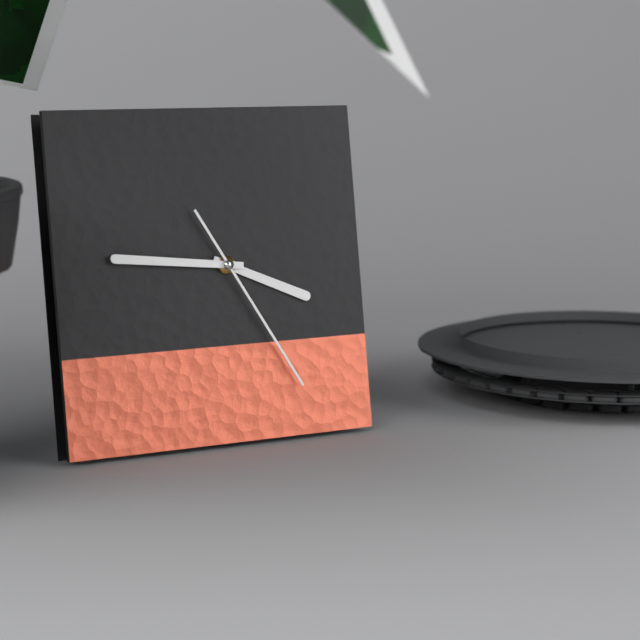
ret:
3,46,25
